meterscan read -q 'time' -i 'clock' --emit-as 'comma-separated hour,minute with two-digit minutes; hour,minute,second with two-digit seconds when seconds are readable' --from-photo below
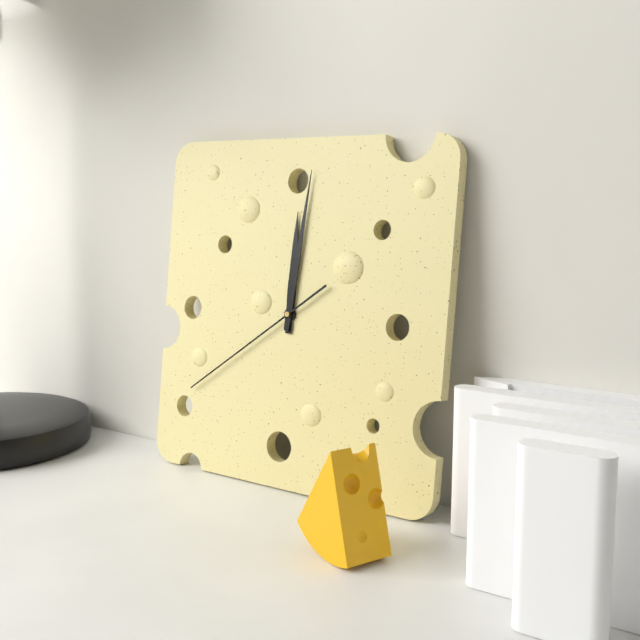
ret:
12,01,39
